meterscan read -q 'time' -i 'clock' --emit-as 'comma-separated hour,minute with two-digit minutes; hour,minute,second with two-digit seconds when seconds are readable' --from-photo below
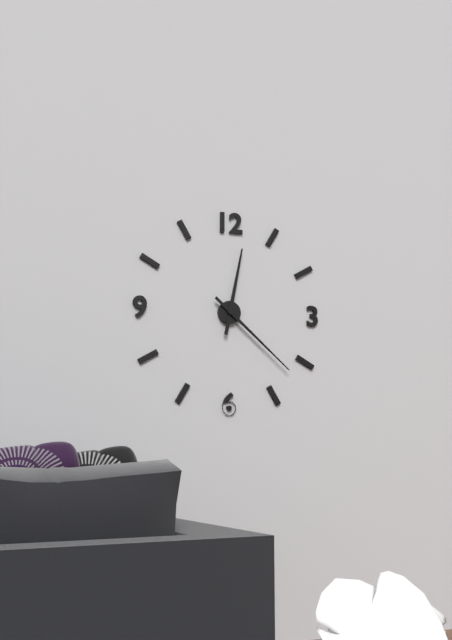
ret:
12,22
